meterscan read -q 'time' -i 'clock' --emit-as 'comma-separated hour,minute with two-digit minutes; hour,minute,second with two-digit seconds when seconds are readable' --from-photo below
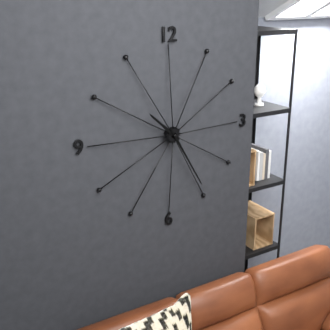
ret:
10,25
